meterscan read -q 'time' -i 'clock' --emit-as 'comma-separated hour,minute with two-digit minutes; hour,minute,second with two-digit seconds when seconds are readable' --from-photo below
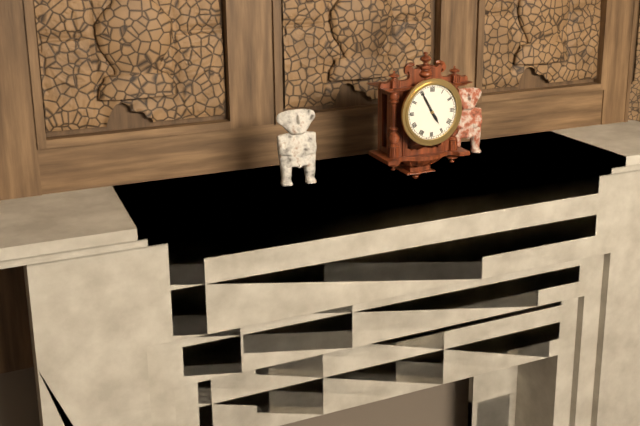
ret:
4,55
